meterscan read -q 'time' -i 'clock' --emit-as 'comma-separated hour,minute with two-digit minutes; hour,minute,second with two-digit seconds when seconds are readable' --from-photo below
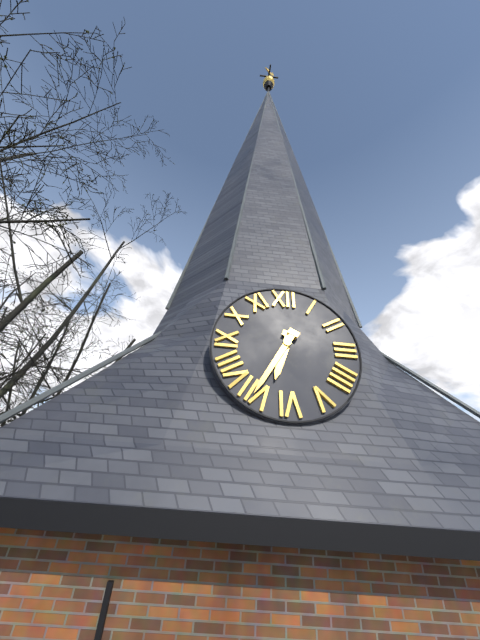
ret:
6,35
